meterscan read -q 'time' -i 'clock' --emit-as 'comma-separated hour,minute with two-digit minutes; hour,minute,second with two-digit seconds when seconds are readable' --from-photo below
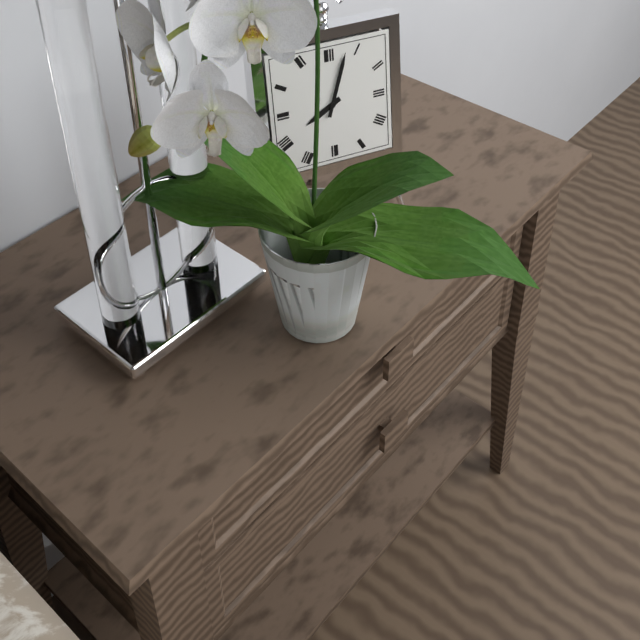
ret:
8,03
